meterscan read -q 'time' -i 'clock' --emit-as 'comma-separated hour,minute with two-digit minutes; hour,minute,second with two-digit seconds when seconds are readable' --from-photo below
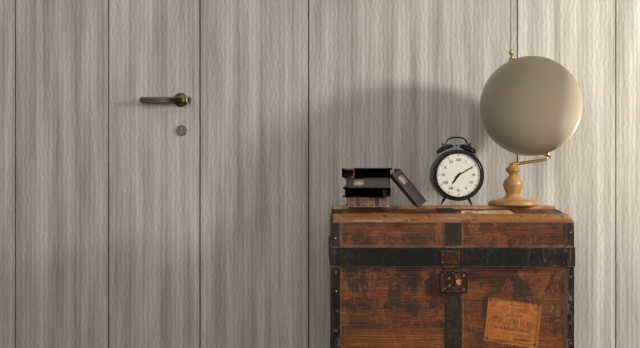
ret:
7,10
